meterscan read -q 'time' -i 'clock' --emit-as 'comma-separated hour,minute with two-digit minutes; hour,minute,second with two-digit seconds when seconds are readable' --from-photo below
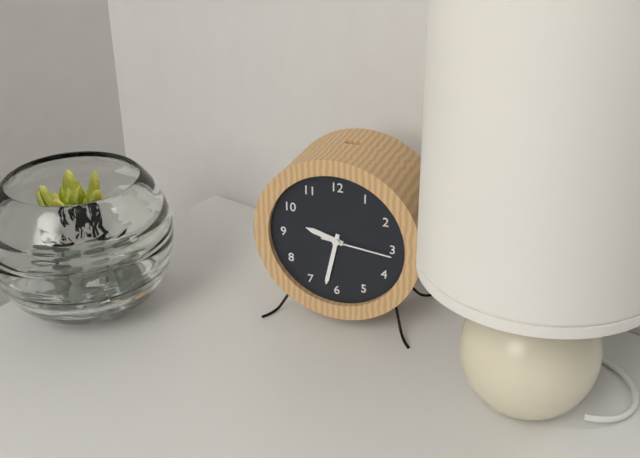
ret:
9,32,16
